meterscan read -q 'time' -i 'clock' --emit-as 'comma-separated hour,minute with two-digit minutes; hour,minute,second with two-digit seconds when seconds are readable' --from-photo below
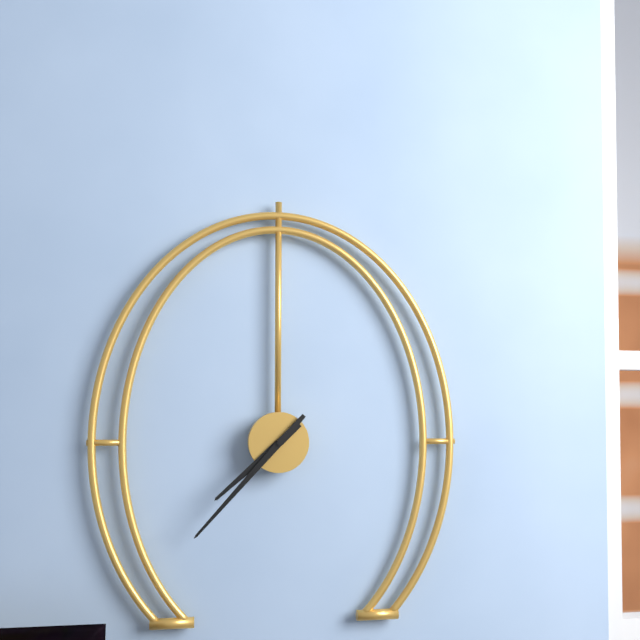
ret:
7,37
